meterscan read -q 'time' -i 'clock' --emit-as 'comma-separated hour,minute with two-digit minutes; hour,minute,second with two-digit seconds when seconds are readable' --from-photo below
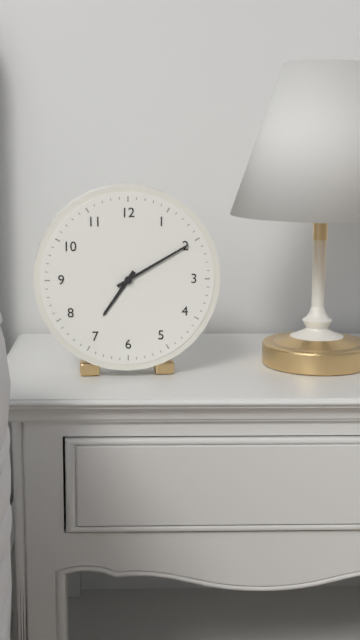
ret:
7,10
